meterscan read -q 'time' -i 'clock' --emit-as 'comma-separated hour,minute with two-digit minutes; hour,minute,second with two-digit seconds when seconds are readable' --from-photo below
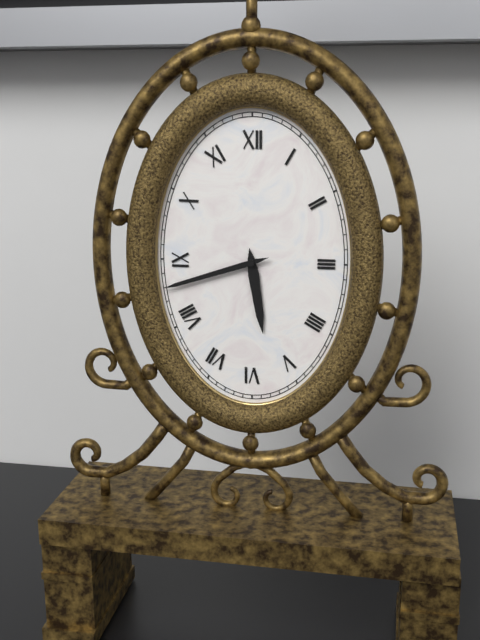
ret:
5,42
